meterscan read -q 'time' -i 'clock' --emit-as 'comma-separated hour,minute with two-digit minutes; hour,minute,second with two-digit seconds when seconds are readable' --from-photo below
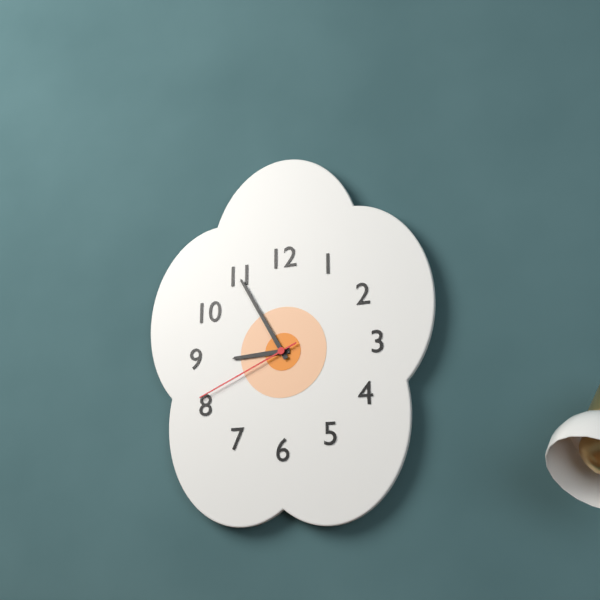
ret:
8,55,41
